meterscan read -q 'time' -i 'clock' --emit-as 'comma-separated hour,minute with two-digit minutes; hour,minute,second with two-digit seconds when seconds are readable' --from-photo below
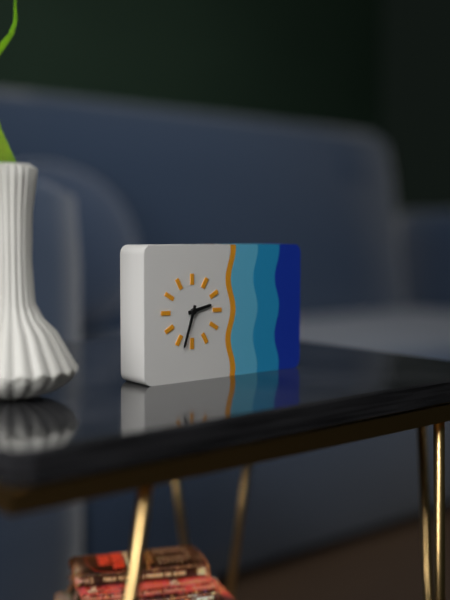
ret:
2,33
